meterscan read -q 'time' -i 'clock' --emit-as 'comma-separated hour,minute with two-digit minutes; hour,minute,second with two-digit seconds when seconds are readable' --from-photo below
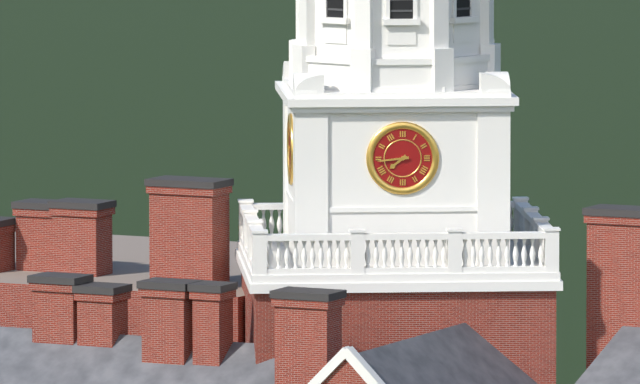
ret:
7,44
